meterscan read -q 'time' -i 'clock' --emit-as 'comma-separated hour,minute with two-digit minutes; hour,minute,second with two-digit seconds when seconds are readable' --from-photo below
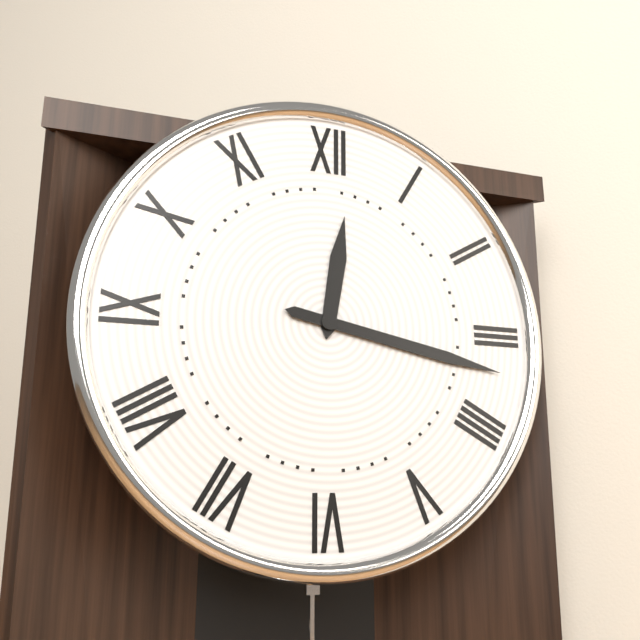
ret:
12,17
